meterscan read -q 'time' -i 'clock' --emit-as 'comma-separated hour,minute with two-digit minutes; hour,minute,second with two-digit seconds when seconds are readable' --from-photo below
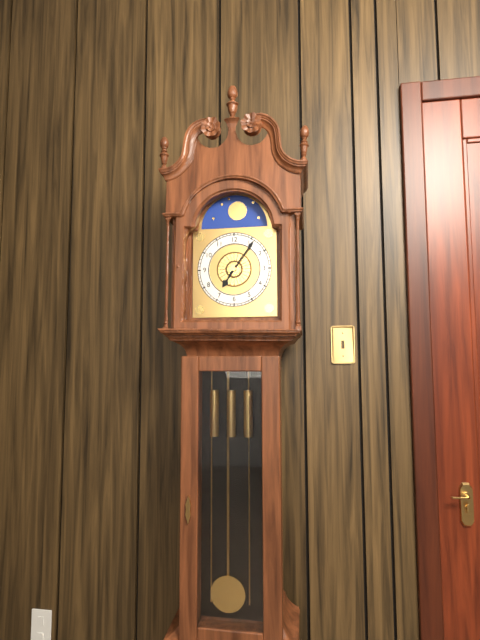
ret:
7,06
